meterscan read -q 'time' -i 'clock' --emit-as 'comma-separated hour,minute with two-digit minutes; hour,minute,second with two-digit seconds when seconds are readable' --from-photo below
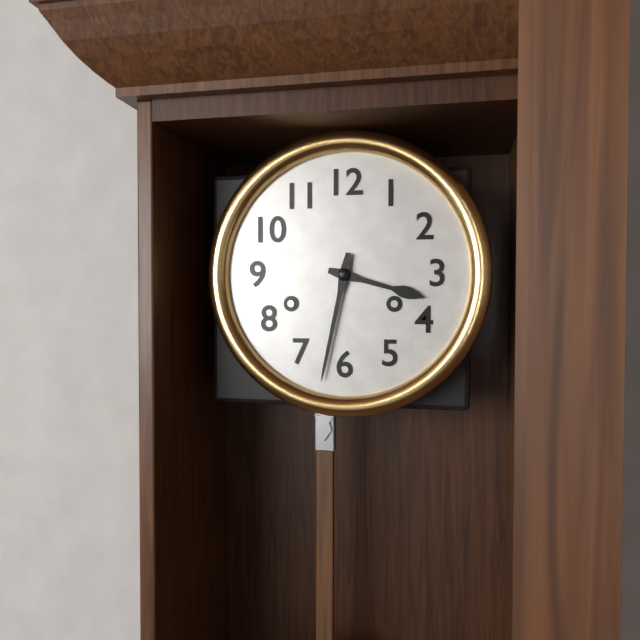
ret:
3,32
